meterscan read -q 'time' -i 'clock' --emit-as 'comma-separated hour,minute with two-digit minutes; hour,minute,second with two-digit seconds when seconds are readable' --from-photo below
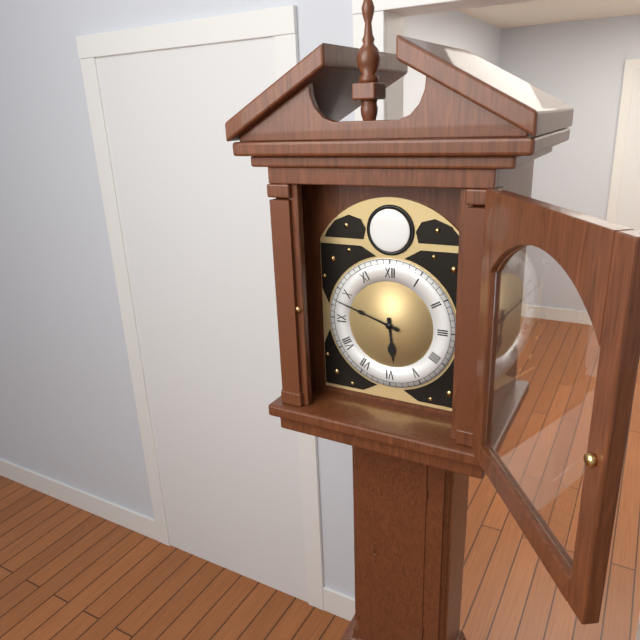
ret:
5,48
